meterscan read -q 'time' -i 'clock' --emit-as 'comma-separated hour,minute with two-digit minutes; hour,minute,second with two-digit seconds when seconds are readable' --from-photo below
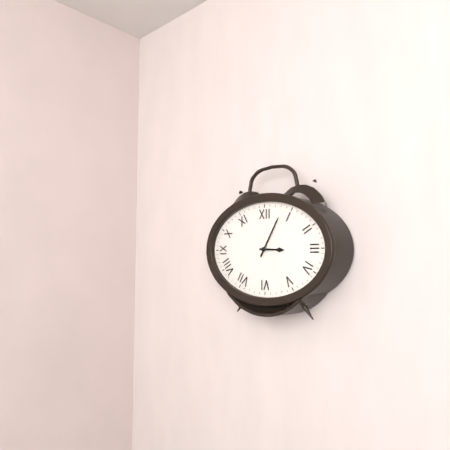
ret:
3,05
